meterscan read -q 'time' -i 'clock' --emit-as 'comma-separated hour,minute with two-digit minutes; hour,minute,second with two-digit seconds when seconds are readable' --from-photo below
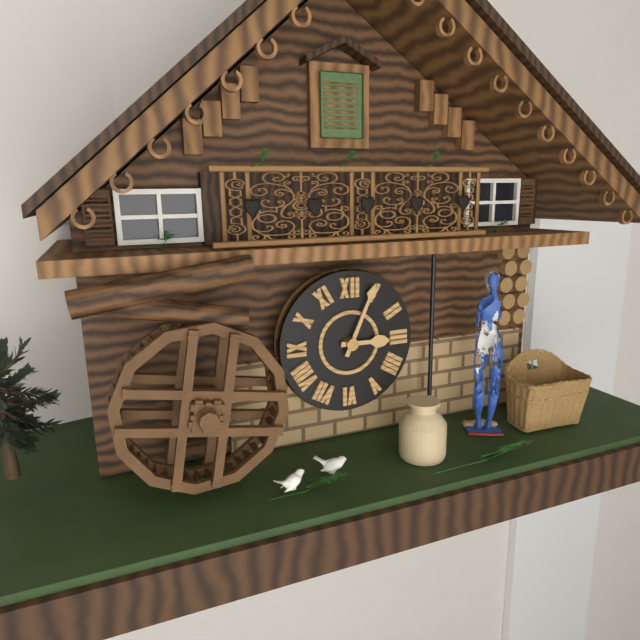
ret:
3,04
